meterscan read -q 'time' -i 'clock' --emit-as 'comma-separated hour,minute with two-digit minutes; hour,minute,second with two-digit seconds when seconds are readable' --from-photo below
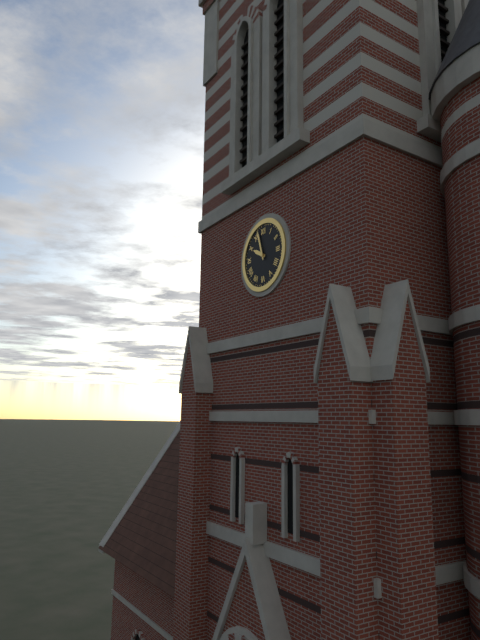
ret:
9,57
